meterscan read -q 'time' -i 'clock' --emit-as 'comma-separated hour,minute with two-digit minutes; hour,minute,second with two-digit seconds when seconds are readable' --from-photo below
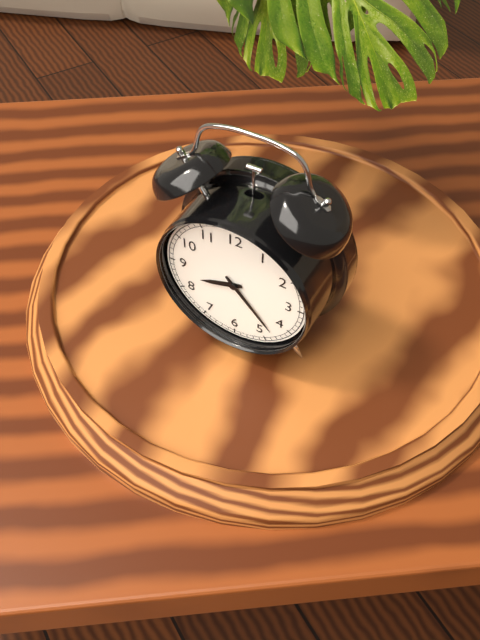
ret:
8,23
